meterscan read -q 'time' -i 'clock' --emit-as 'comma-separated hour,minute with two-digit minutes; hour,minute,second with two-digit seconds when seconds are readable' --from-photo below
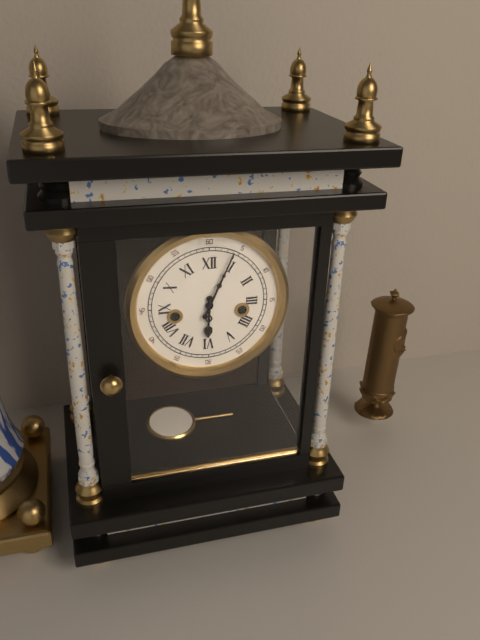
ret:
6,04
